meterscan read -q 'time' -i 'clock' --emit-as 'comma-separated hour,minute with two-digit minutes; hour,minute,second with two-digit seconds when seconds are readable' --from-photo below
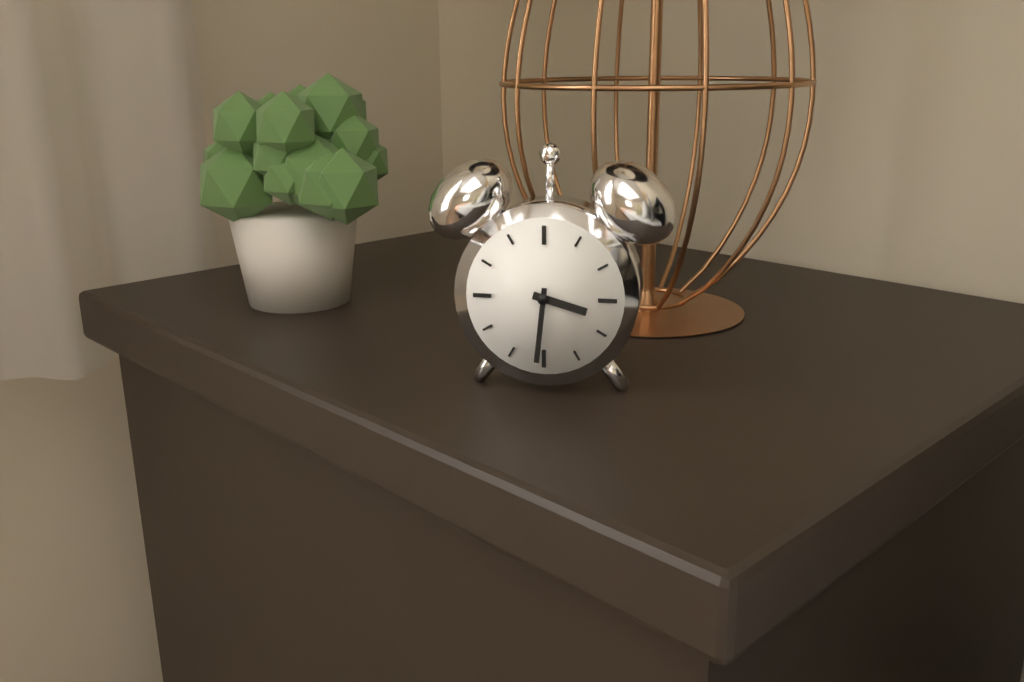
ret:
3,31
